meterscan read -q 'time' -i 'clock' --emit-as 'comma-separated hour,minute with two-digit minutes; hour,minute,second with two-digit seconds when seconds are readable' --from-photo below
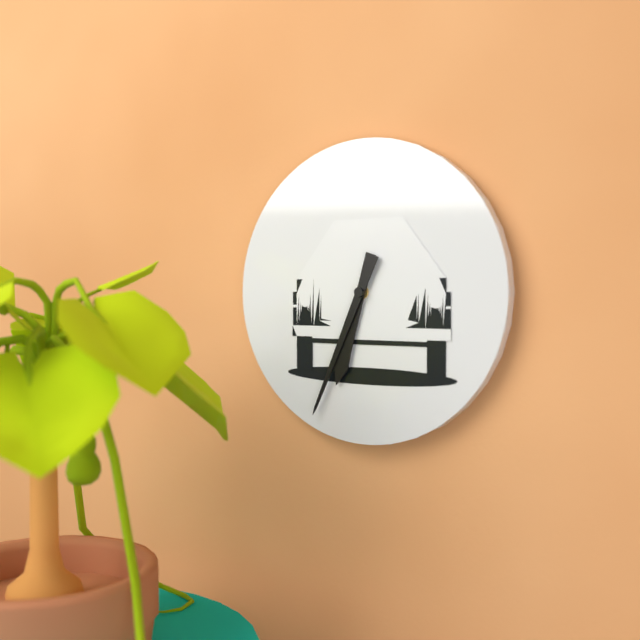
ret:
6,34
